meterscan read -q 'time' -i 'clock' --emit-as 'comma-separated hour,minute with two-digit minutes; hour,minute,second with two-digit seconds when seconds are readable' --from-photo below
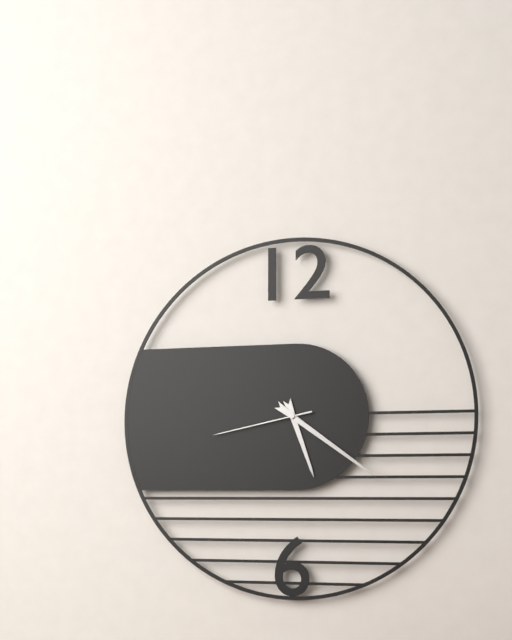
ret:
5,21,43
